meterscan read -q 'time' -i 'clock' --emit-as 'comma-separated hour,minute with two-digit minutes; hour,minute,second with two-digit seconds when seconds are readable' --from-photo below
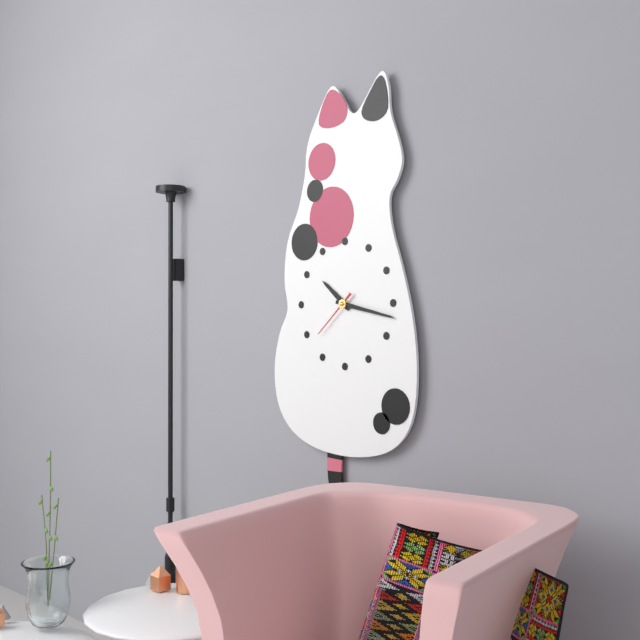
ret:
10,17,38
